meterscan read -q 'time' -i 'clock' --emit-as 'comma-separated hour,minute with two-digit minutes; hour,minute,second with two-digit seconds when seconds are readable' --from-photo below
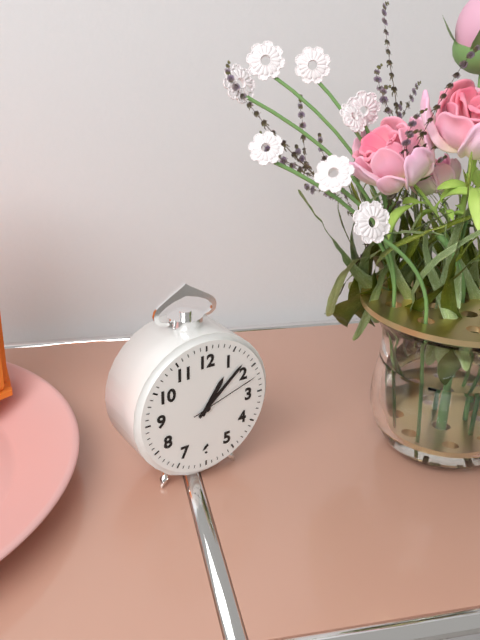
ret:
1,08,12
